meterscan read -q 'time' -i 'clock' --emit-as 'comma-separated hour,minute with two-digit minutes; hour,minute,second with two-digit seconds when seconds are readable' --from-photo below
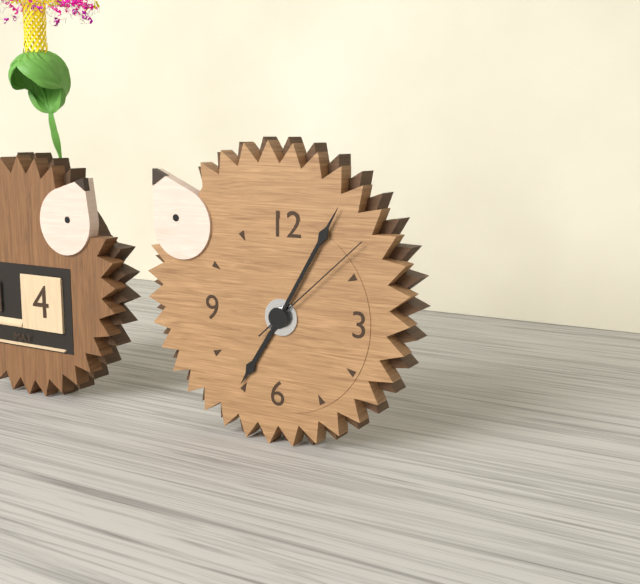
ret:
7,05,08
